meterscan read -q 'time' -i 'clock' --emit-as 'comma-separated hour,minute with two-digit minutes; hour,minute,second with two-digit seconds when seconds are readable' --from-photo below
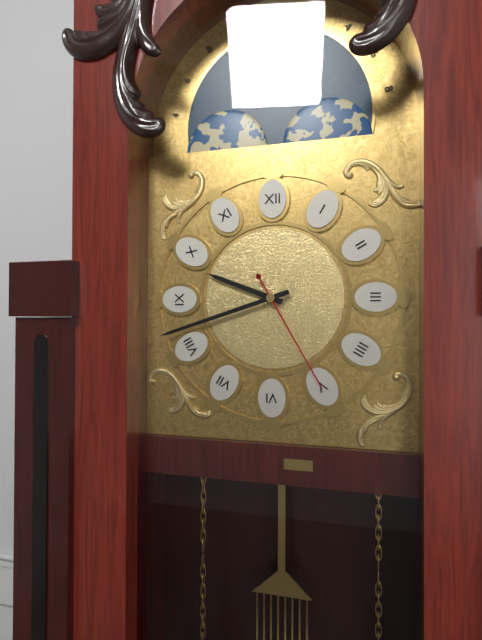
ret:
9,42,25
